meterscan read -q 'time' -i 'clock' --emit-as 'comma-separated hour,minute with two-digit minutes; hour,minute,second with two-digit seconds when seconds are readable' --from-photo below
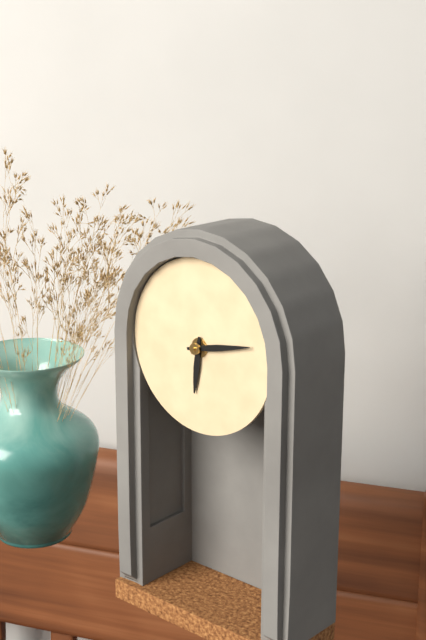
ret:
6,13
